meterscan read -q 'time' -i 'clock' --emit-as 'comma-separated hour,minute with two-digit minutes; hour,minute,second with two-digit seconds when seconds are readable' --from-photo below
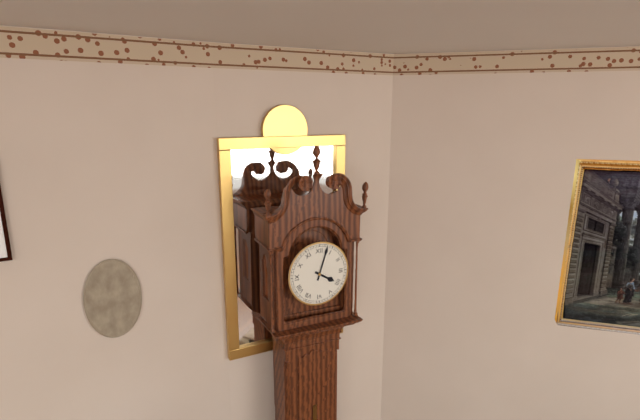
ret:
4,03
